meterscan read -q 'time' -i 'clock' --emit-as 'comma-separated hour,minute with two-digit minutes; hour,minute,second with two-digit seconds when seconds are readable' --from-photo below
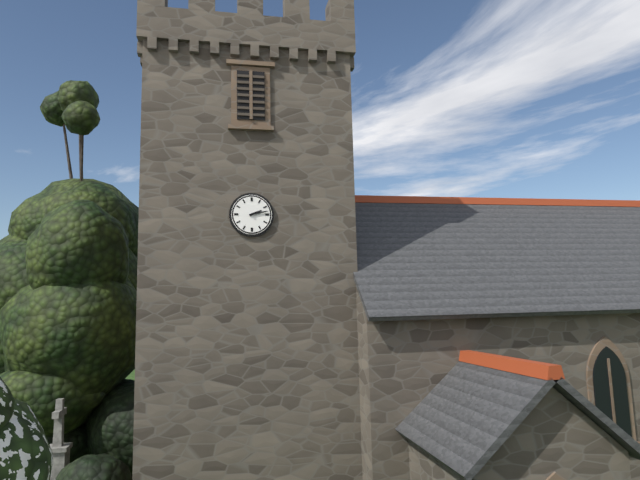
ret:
2,13
